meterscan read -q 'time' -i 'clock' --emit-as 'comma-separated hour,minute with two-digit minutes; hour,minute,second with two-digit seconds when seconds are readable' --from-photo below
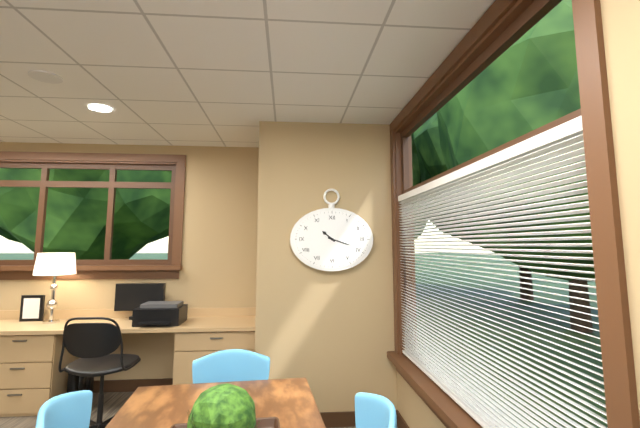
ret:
10,18
